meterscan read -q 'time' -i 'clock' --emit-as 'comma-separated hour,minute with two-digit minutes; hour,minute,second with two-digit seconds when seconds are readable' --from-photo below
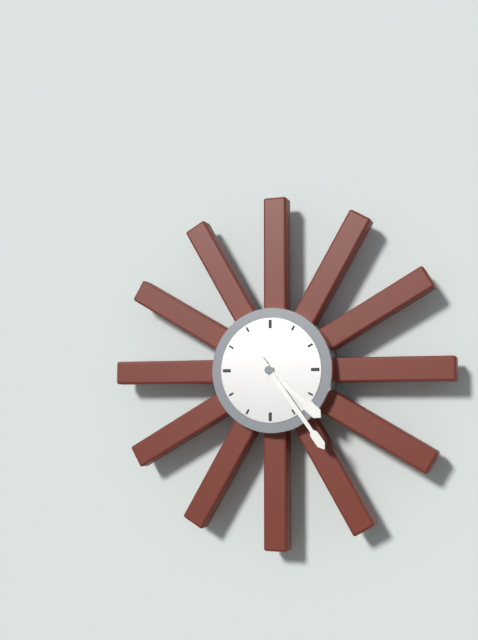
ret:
4,24
